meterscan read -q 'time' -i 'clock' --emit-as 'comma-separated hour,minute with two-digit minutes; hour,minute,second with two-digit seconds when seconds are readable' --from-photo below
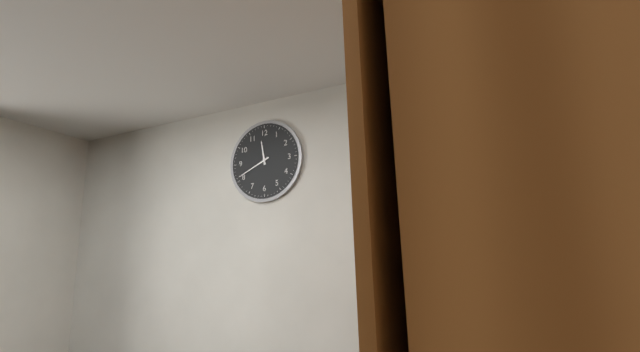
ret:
11,41
